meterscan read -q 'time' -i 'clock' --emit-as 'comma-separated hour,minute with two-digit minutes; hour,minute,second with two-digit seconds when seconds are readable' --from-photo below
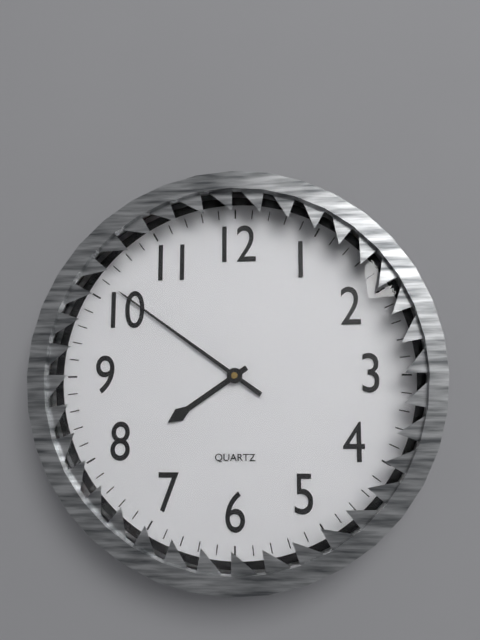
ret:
7,51
